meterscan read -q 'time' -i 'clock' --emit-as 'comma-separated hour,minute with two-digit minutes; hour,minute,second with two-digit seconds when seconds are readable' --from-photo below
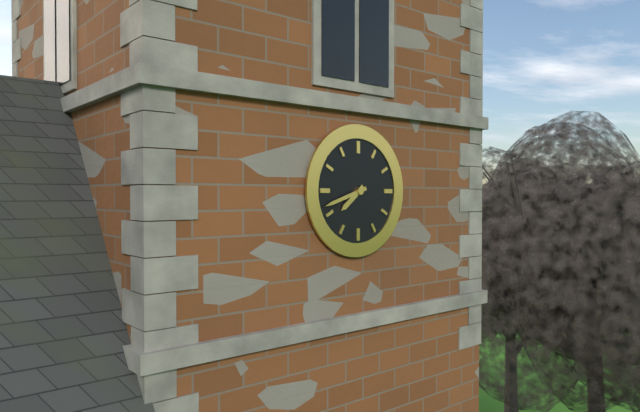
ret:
7,42
